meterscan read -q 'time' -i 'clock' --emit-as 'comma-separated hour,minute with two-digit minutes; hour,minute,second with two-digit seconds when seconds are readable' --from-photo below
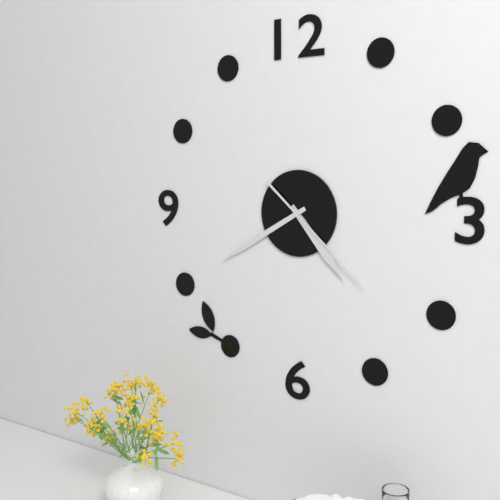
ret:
4,40,22
